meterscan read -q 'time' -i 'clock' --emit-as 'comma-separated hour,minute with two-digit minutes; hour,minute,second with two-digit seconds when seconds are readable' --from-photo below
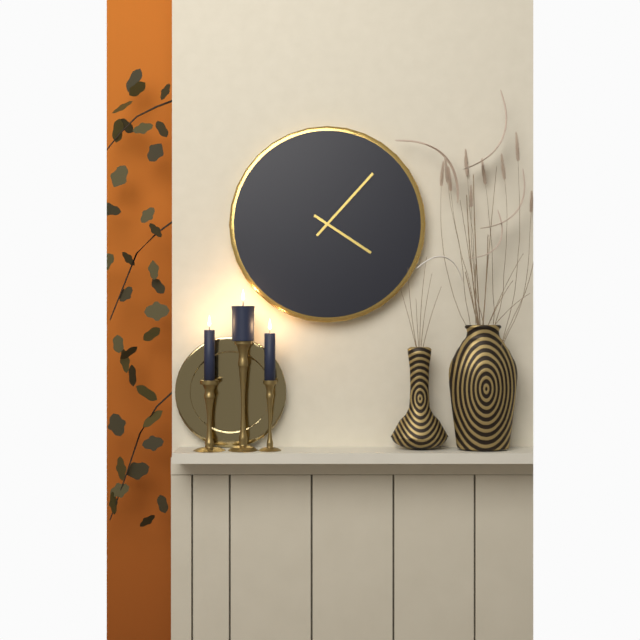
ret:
4,07
